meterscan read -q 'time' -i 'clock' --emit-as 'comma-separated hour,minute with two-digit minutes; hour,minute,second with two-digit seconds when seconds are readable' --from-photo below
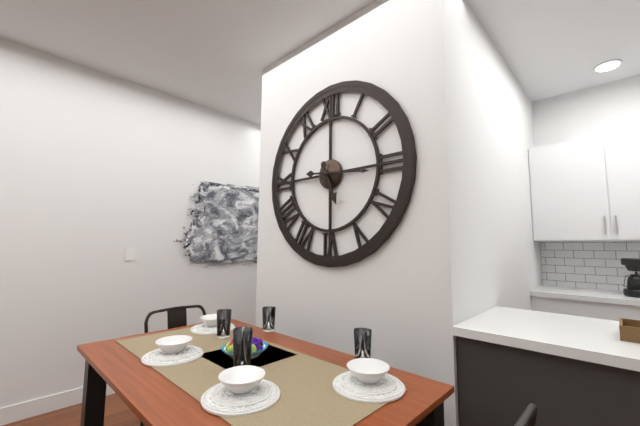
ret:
5,16
